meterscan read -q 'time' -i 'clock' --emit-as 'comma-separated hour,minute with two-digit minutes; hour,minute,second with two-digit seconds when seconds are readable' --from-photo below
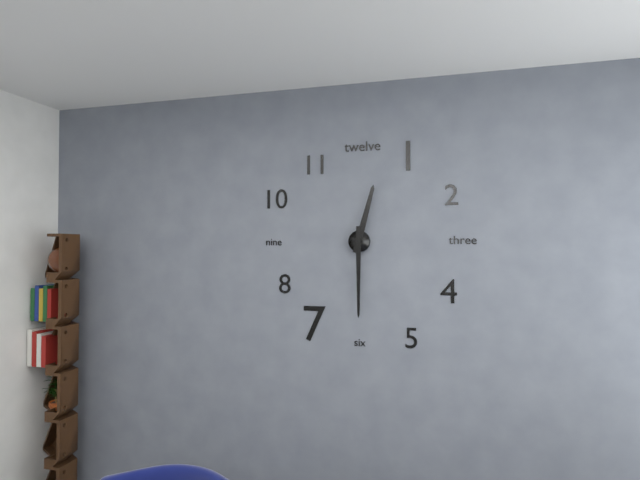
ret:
12,30
